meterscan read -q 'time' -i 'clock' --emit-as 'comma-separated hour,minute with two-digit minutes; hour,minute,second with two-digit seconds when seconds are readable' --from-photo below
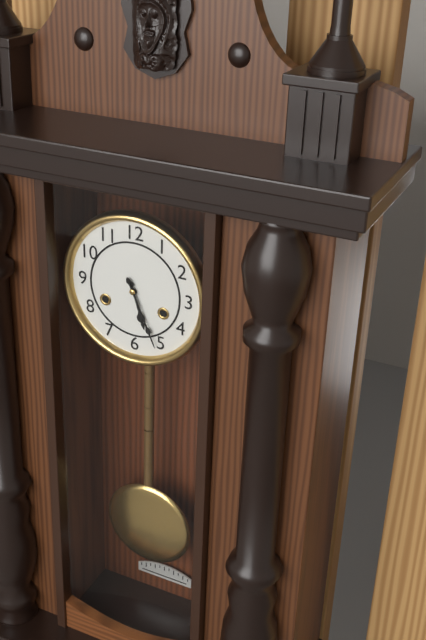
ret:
5,26
